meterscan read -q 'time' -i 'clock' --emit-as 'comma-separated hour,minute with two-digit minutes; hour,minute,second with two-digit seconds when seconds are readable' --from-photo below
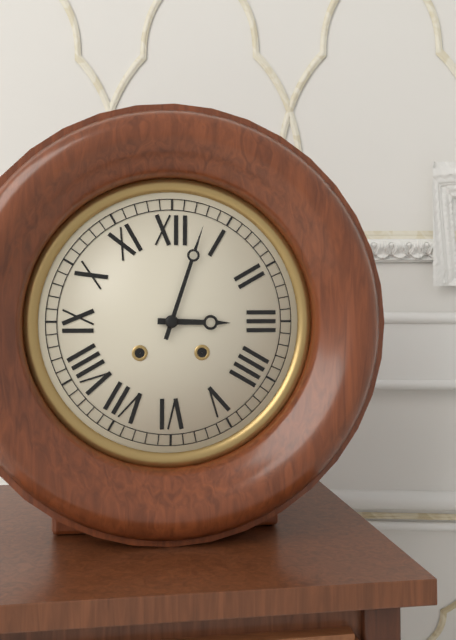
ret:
3,03
